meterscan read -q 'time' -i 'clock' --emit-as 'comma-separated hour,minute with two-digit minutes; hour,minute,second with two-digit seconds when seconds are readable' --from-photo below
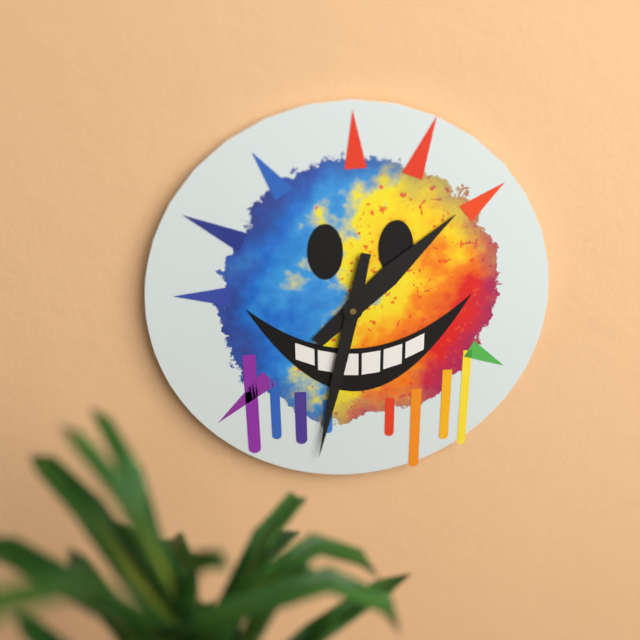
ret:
1,32
